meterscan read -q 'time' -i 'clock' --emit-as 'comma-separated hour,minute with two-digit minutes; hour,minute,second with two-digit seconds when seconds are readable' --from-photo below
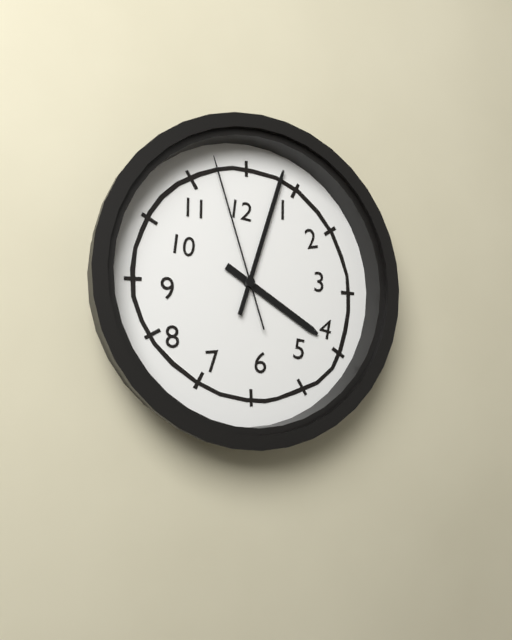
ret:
4,03,57
